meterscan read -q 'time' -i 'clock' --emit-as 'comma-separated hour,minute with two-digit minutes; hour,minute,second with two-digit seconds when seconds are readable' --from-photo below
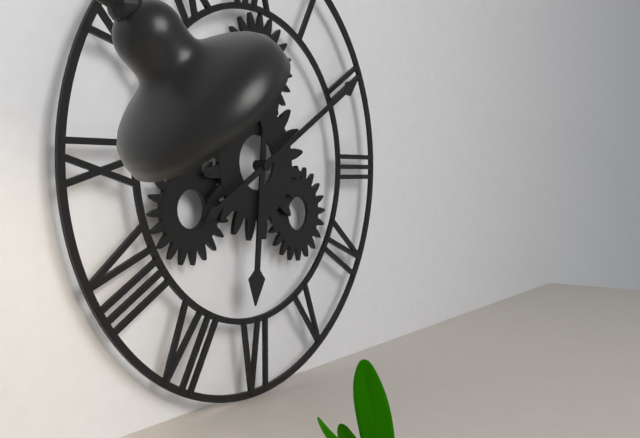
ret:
6,10
